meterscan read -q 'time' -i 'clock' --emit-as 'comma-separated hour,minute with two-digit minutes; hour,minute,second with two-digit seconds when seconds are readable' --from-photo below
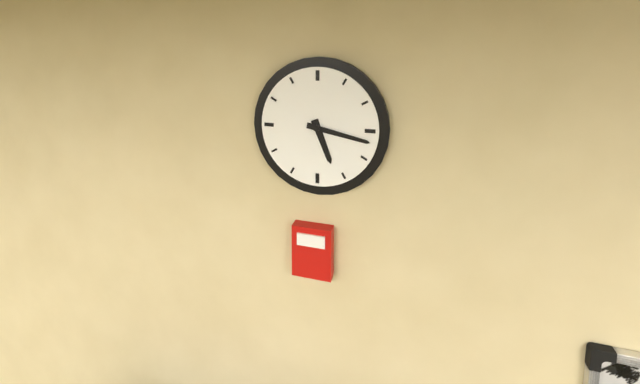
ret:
5,17
